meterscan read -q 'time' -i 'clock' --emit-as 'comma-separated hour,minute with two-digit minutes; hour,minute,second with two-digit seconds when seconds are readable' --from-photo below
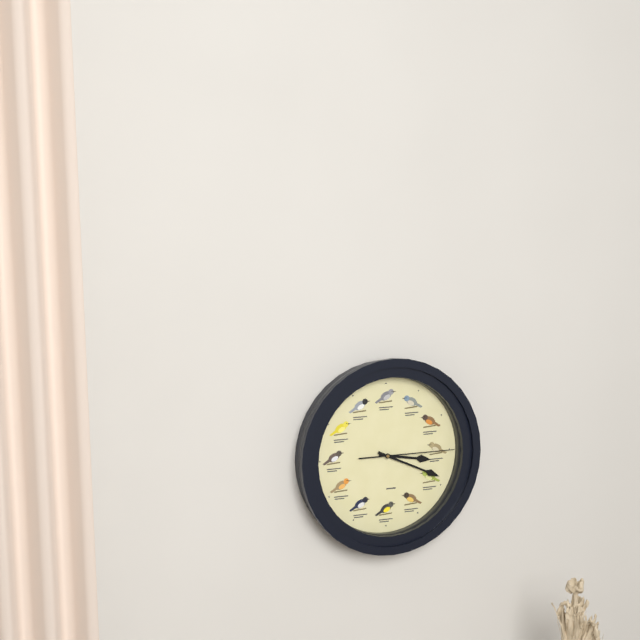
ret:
3,19,15
